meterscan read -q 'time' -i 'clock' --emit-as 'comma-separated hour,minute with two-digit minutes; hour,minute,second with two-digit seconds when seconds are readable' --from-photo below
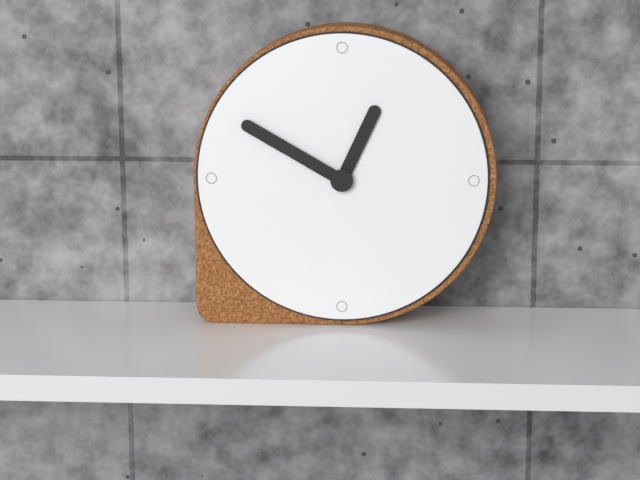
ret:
12,50
